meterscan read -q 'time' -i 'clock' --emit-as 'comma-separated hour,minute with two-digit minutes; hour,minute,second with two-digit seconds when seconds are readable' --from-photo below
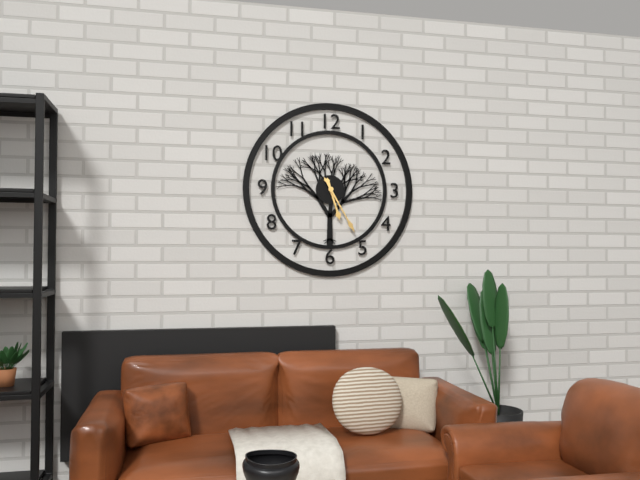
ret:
5,25
